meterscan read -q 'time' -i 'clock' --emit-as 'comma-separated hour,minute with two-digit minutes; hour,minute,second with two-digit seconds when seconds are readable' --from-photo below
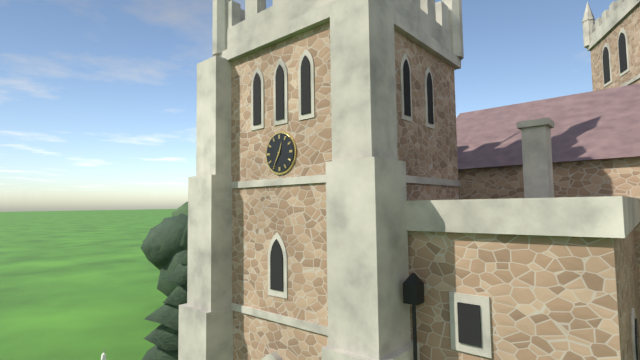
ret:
12,35
